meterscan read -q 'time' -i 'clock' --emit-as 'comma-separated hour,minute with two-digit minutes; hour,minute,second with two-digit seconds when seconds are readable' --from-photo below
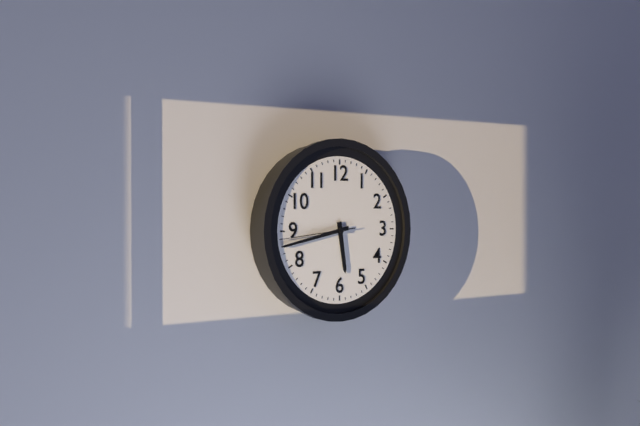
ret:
5,43,44
